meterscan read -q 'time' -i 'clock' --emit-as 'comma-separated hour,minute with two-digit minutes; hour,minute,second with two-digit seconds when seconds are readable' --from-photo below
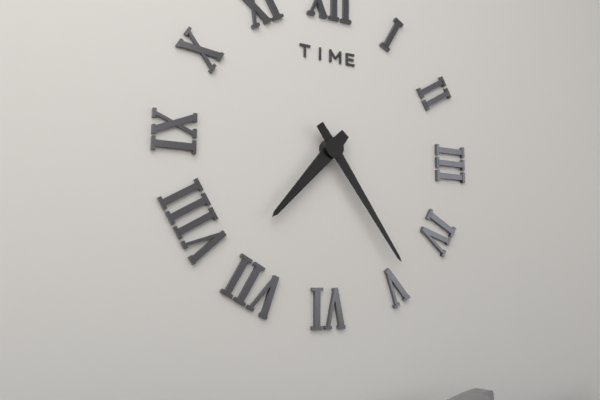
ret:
7,24
